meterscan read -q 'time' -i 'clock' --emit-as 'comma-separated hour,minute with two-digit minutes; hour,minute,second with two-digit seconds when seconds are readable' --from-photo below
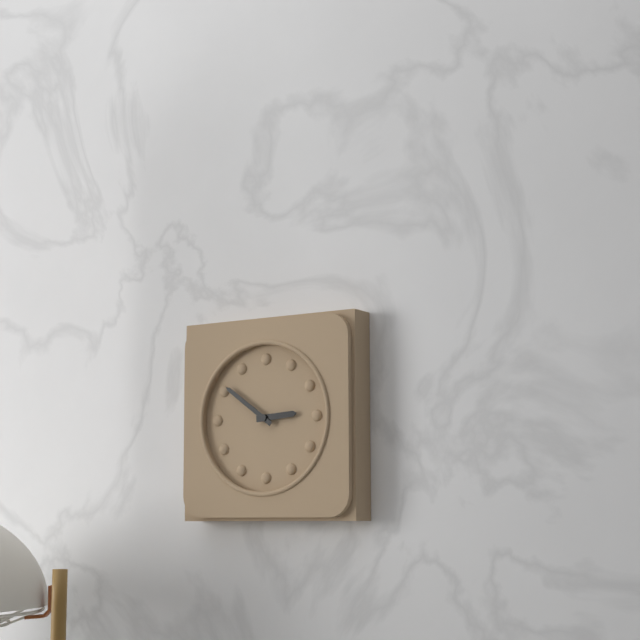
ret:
2,51
